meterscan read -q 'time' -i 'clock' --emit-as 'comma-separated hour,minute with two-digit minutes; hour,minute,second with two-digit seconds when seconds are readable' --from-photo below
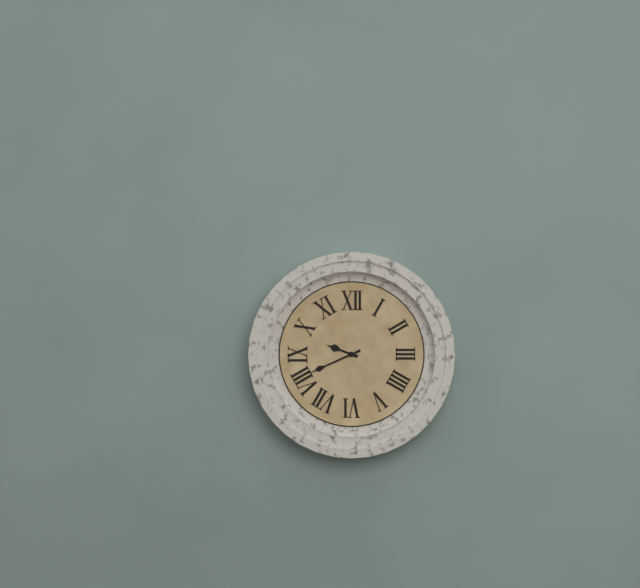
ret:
9,41
